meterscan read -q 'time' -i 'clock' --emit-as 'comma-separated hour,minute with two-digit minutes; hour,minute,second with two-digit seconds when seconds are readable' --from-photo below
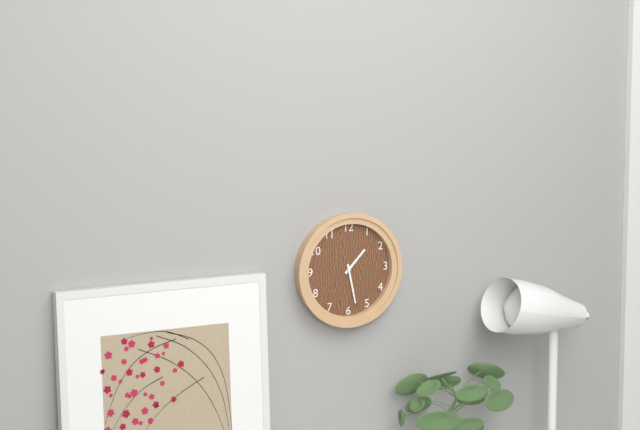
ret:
1,28
